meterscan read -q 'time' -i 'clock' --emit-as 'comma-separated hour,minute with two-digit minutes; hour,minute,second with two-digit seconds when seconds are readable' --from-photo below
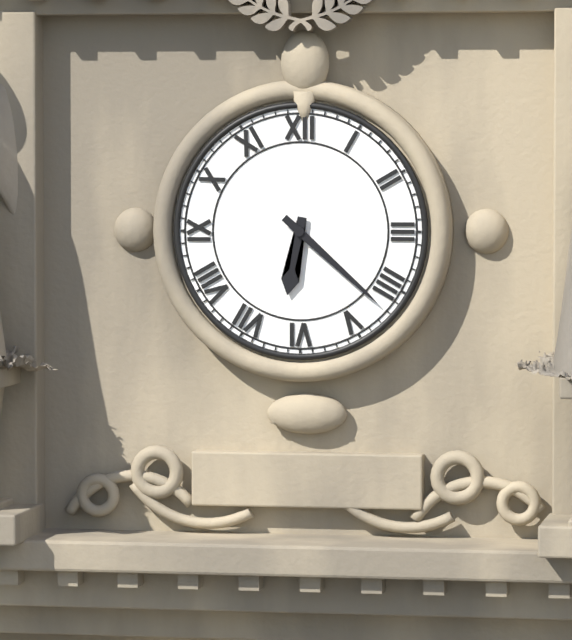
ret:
6,22
